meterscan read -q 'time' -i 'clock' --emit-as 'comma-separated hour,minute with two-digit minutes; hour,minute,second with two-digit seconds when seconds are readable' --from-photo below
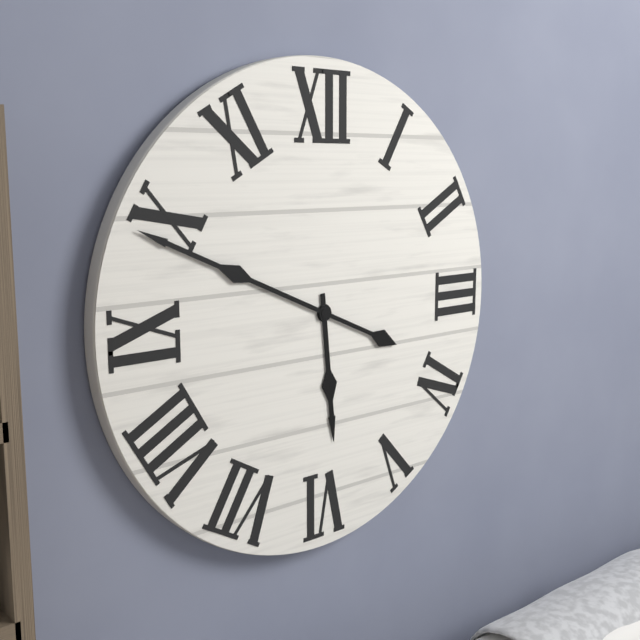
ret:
5,49
